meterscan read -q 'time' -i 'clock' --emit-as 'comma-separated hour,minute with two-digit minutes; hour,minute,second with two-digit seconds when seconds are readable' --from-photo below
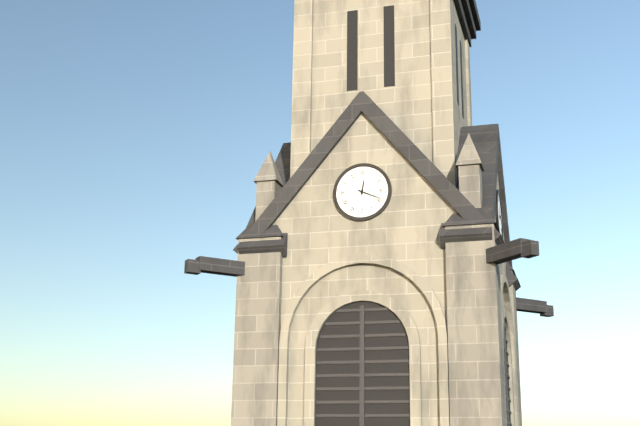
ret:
12,19
